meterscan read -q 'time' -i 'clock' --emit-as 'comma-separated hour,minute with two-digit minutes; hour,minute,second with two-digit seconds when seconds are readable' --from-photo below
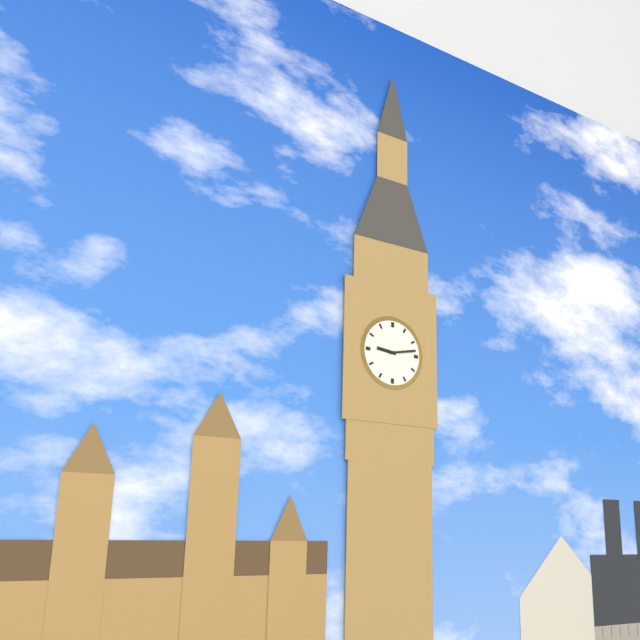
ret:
9,13
